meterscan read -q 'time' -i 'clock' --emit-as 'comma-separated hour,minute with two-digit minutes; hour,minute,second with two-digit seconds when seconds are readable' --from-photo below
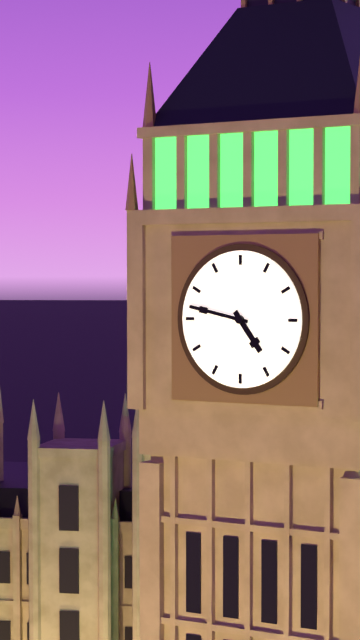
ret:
4,47
